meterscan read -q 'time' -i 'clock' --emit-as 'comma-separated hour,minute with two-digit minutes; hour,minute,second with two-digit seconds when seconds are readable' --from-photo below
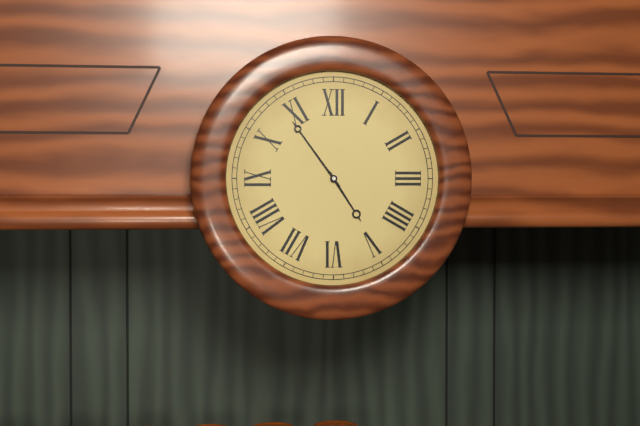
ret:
4,54
